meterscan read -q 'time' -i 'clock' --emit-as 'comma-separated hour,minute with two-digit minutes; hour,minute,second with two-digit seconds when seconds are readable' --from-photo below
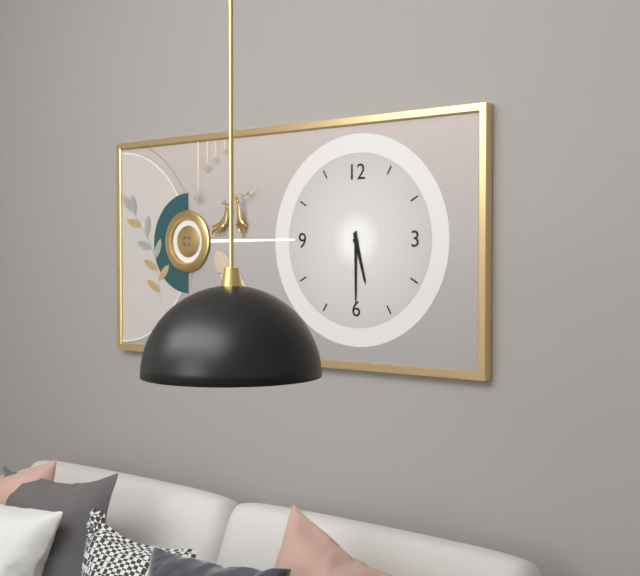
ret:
5,30
